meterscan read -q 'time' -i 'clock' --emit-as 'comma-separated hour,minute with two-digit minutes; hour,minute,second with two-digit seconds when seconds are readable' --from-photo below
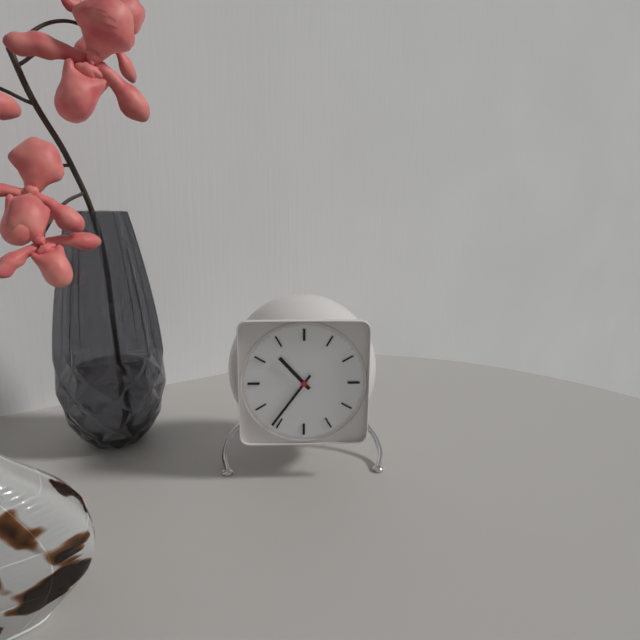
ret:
10,36
